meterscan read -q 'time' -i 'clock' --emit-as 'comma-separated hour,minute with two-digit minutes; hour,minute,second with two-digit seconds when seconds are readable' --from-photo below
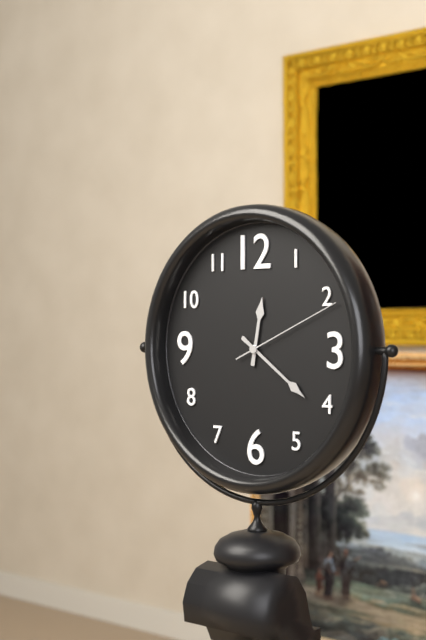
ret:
12,21,11
